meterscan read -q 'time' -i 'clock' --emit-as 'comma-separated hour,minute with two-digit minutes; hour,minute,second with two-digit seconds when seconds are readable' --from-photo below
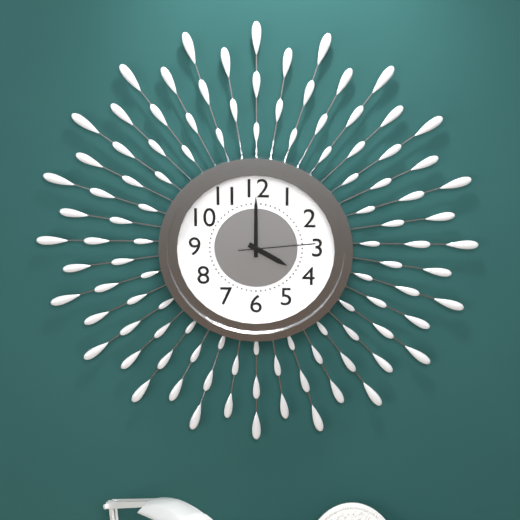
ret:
4,00,14
